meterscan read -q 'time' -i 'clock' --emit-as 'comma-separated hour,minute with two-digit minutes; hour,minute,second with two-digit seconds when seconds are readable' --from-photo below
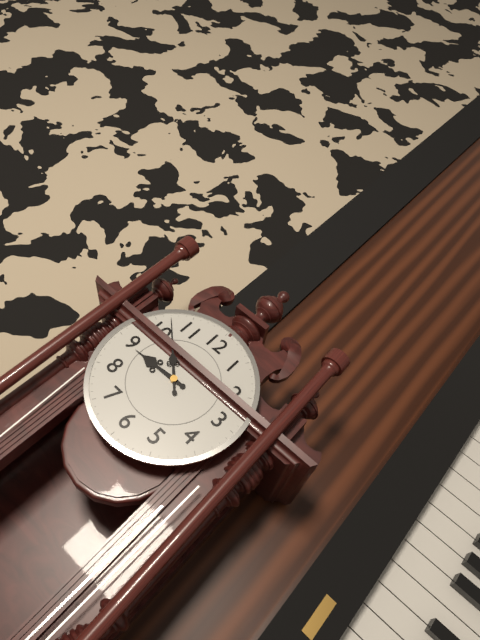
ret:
8,52
